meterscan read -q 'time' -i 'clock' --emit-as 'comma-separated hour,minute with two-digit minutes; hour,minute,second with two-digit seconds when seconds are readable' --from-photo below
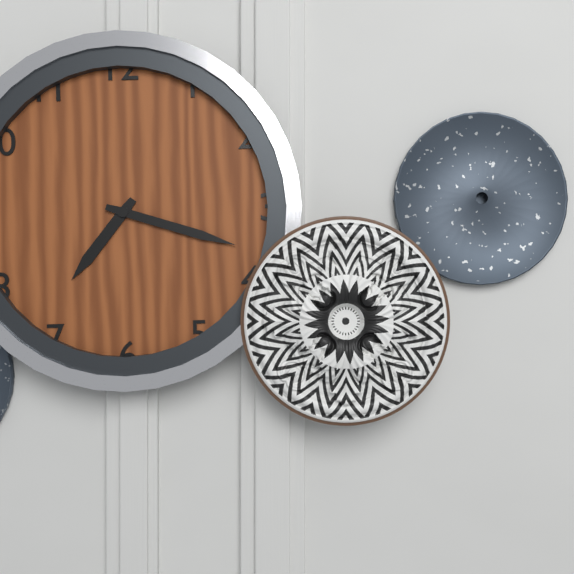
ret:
7,18
